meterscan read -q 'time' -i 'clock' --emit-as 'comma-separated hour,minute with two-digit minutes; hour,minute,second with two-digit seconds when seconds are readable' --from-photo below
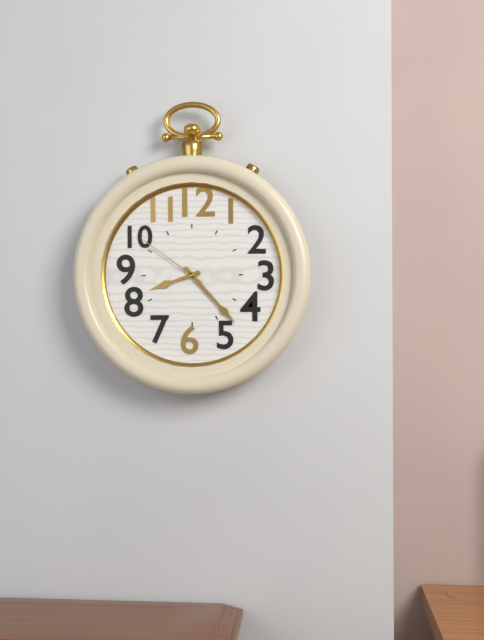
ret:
8,23,51
